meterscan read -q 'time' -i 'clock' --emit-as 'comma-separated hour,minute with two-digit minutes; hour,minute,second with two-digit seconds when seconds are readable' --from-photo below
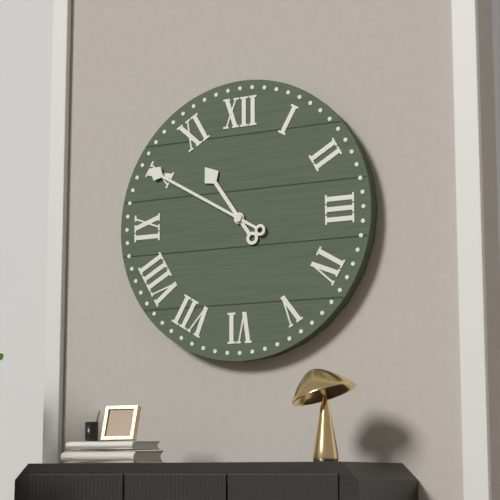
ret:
10,50
